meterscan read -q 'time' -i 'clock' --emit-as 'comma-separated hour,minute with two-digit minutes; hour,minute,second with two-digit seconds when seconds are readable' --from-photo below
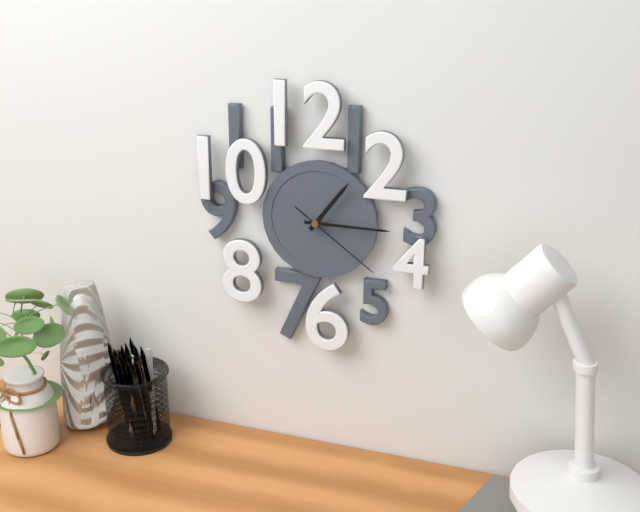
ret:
1,15,21
